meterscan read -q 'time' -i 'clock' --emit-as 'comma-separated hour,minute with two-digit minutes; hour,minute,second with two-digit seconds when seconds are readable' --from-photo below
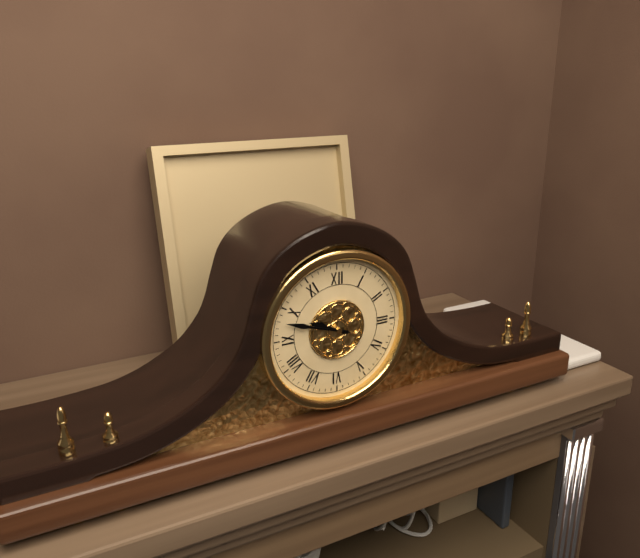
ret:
9,48
